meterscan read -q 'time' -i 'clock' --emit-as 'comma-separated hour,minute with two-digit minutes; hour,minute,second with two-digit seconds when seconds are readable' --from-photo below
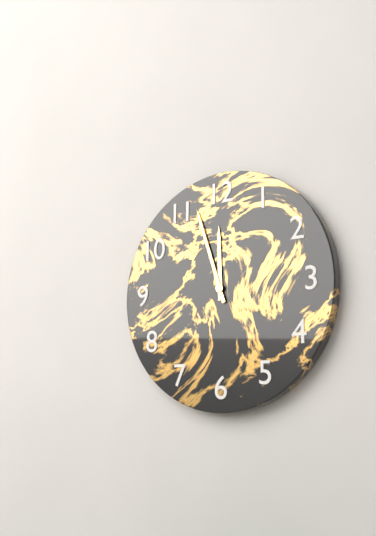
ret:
11,57
